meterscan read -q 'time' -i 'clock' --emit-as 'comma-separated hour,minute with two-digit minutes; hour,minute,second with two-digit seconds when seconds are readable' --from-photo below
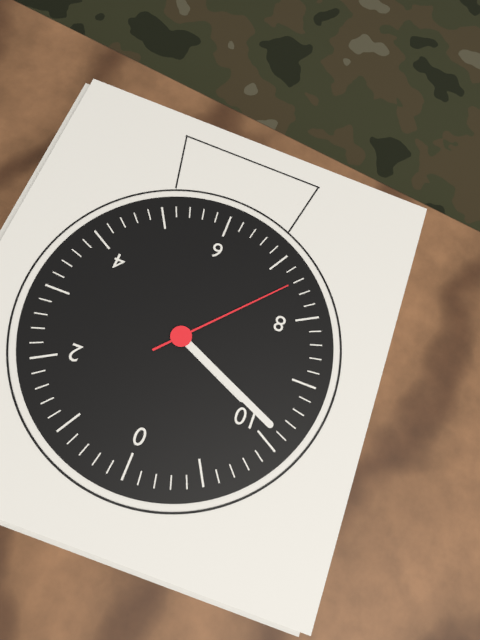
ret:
9,49,37
